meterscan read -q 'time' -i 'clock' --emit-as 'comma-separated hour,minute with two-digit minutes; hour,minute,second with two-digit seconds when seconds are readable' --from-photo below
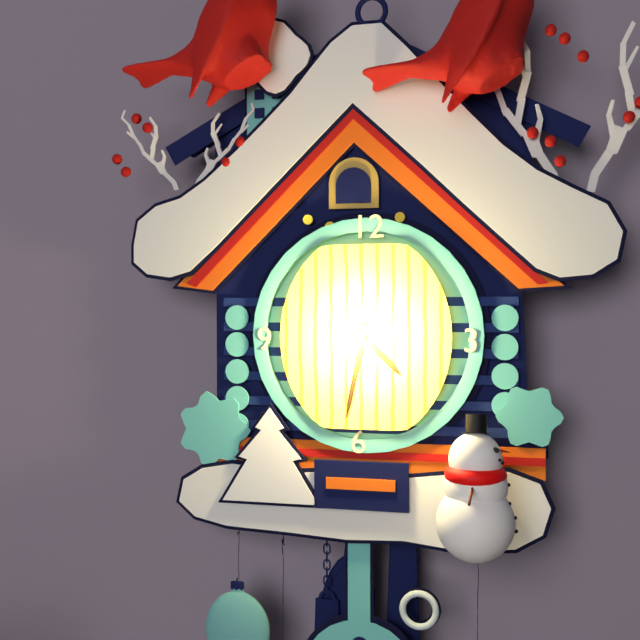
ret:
4,32
